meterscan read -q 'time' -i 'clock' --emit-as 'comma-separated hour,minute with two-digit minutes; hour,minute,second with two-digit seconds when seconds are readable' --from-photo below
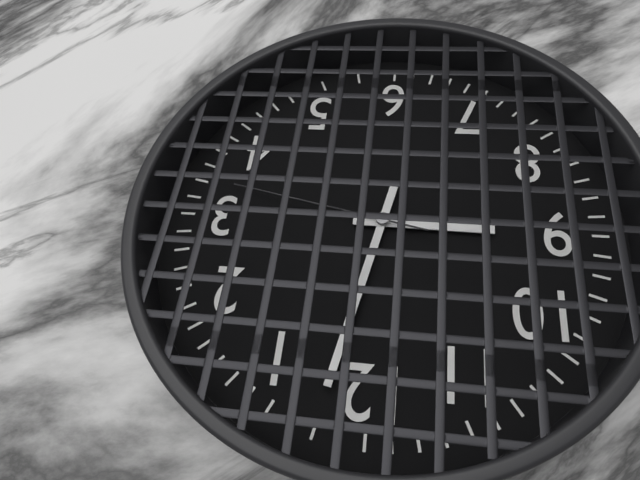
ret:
9,02,17
